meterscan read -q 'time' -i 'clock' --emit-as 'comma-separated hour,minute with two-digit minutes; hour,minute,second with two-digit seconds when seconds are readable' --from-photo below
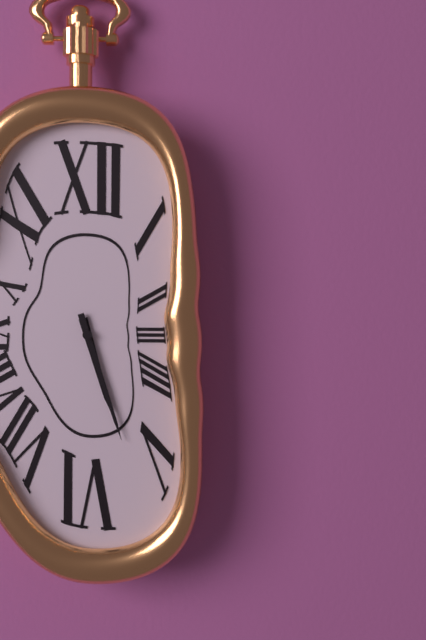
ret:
5,27
